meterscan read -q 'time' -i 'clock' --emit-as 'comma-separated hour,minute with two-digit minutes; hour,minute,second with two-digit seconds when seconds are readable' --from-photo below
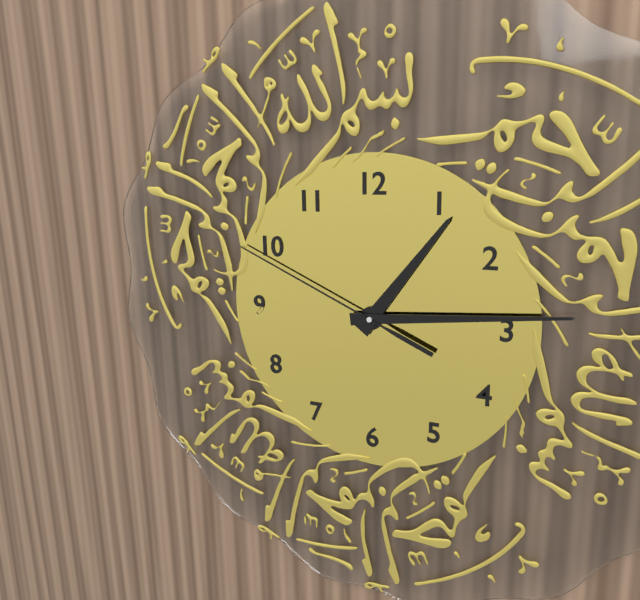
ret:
1,14,49
